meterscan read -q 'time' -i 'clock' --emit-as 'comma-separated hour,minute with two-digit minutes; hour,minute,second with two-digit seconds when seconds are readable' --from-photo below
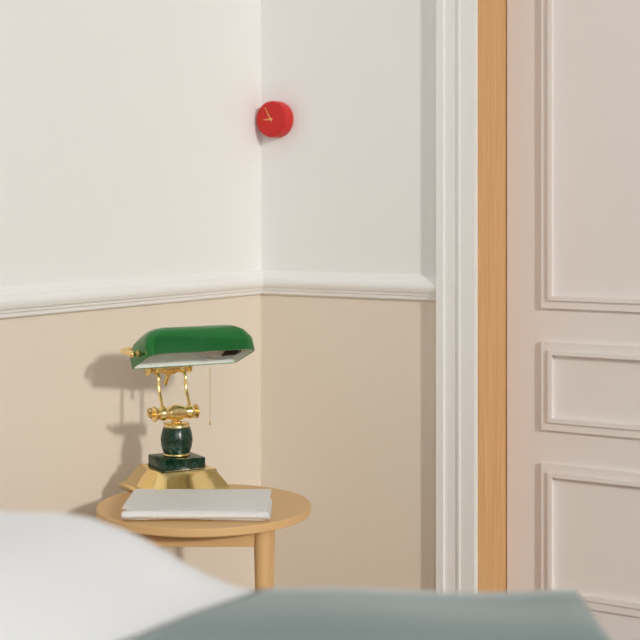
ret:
8,55
